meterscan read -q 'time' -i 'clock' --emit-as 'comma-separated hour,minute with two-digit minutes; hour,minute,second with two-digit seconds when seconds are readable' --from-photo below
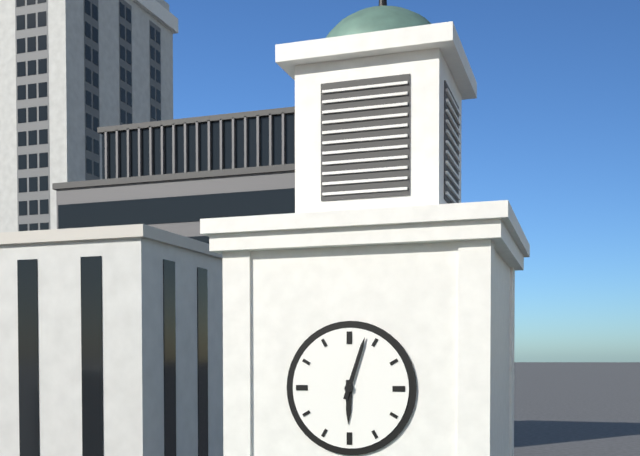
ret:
6,03
